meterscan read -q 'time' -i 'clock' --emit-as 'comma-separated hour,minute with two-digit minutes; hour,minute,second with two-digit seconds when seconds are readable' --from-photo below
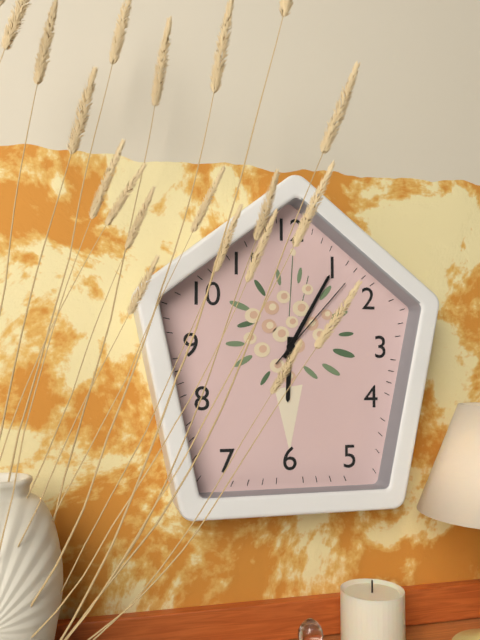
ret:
6,05,07
